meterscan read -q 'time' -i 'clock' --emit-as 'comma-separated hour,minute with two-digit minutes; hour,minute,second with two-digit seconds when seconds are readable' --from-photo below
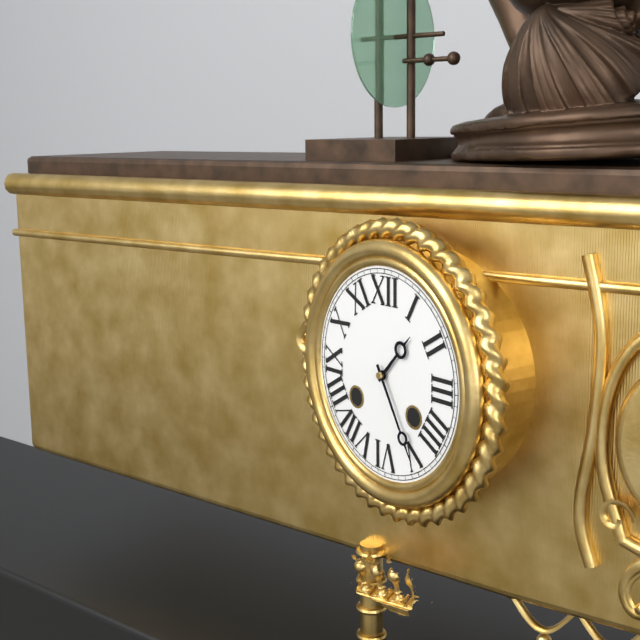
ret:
1,25
